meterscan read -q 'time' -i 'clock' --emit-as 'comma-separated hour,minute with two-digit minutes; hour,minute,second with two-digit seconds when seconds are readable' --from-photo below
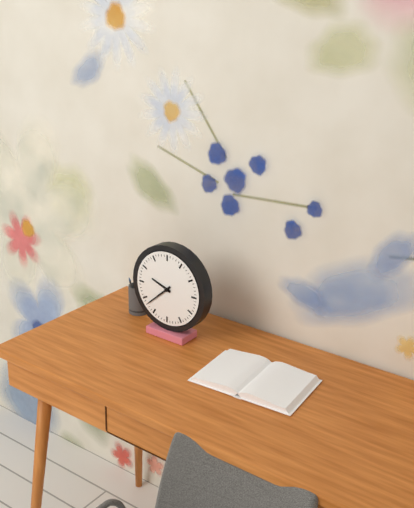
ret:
9,38
